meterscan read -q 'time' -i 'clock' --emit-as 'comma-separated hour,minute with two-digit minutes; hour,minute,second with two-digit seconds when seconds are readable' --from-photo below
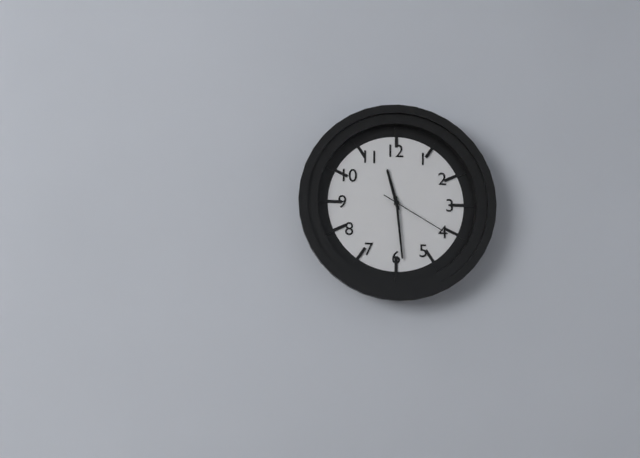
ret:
11,29,20
